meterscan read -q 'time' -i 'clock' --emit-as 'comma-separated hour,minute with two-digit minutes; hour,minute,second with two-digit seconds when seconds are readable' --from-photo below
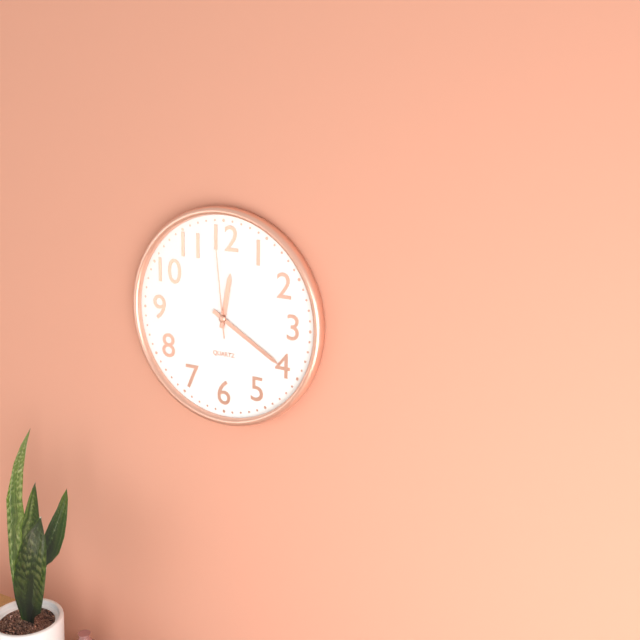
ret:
12,20,59
